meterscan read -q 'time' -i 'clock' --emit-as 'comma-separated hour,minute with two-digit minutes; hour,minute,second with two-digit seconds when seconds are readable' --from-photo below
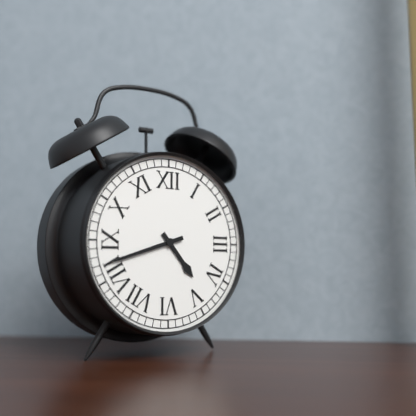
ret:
4,42
